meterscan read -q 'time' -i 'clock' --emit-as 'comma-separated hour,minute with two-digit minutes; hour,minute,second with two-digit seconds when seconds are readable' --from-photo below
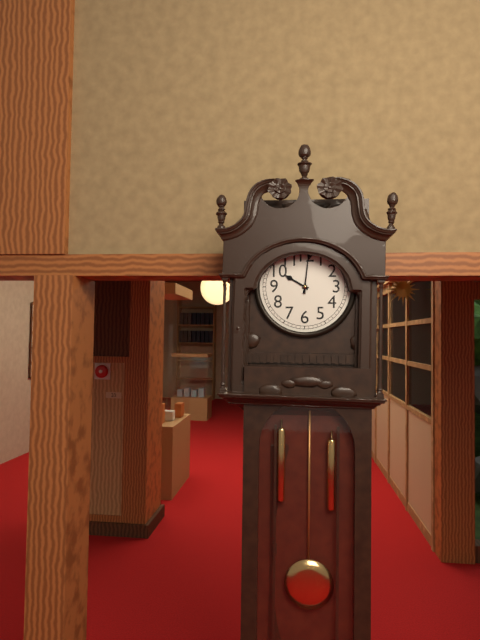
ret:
10,01
